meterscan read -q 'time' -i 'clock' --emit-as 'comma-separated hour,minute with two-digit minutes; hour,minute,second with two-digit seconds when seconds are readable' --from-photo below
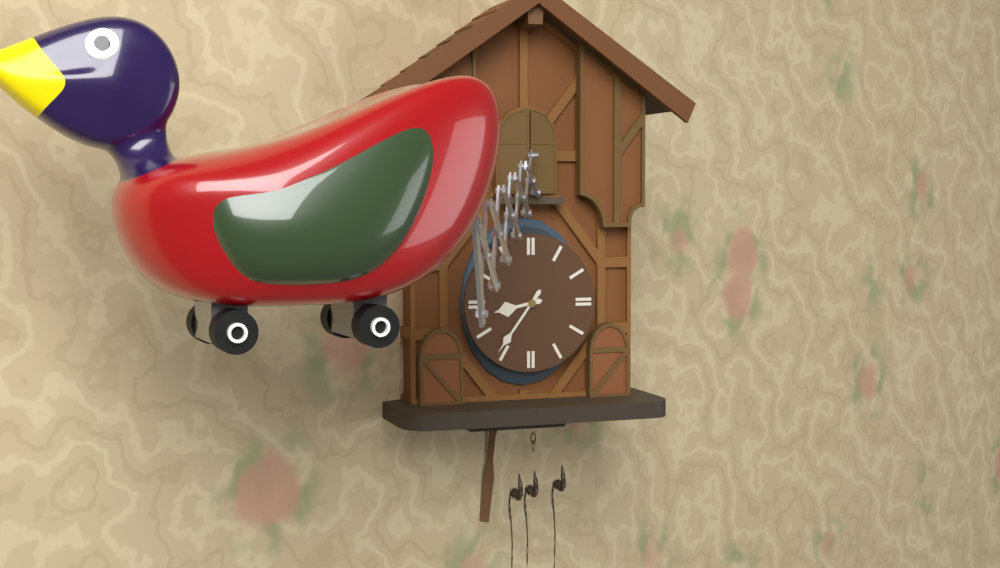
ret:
8,36
